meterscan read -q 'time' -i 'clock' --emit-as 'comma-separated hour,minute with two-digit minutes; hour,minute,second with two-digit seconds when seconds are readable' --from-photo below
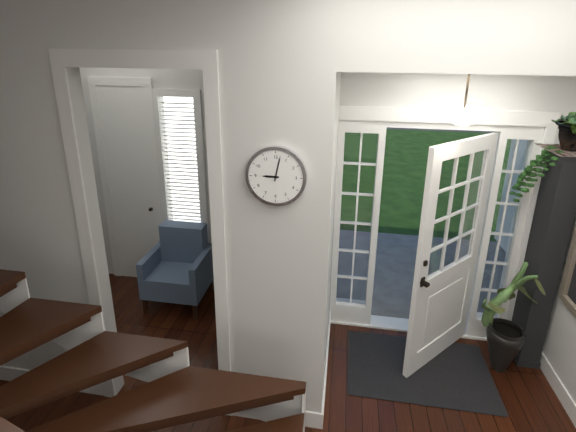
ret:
9,02
